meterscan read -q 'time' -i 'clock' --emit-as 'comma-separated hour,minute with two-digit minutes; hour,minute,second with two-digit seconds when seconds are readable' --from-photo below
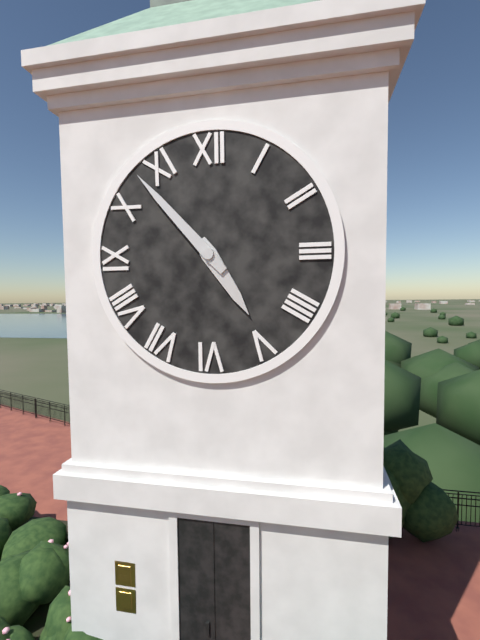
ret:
4,53
